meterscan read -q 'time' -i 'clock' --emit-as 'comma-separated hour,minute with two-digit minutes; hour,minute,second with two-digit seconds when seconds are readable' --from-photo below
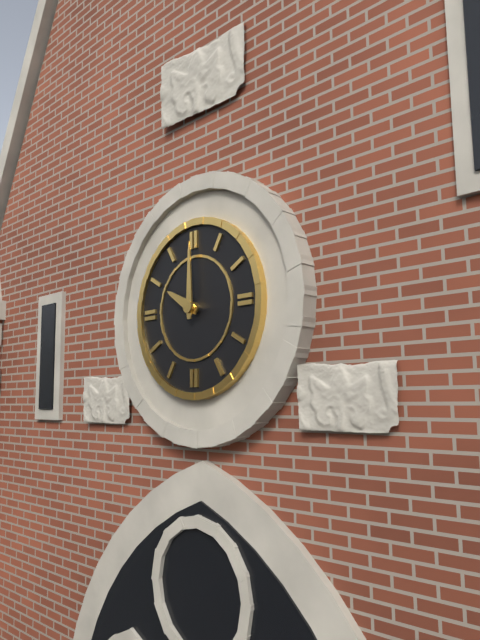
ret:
10,00
